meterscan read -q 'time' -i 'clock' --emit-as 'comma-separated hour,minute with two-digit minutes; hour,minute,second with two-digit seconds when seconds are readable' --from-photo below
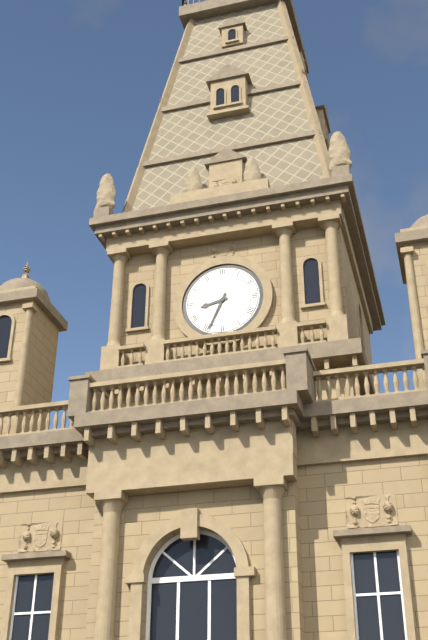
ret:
8,34
